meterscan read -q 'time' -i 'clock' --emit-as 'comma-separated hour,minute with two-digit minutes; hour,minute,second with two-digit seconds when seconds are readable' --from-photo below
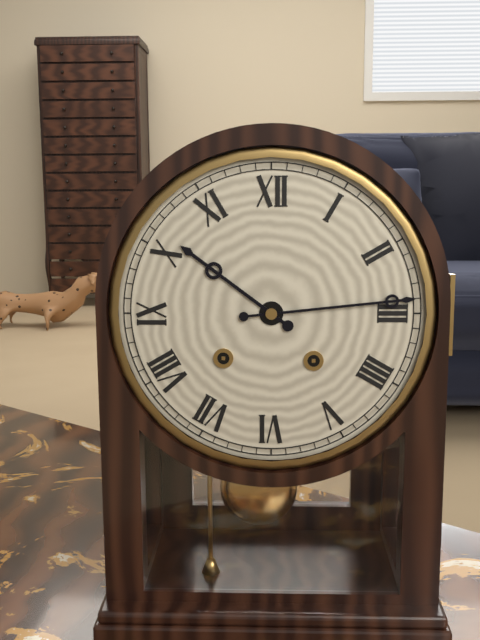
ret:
10,14
